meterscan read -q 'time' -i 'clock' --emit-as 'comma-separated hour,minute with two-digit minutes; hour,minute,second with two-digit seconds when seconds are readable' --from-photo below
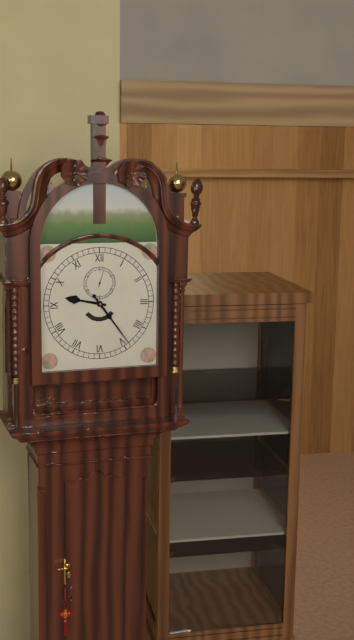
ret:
9,24
